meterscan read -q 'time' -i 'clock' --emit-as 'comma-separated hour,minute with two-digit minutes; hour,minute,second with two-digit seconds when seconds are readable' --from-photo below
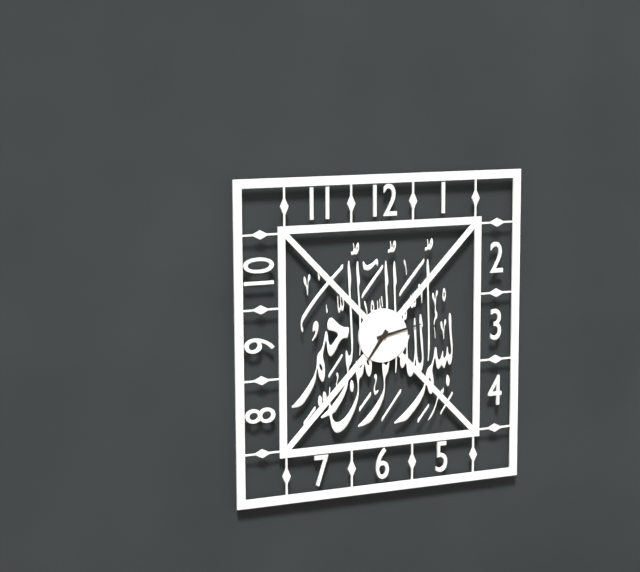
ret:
7,13
